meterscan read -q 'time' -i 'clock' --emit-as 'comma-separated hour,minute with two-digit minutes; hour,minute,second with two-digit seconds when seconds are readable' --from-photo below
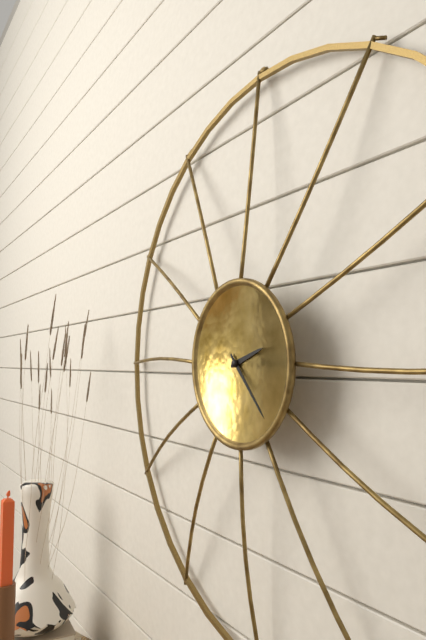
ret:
2,23
